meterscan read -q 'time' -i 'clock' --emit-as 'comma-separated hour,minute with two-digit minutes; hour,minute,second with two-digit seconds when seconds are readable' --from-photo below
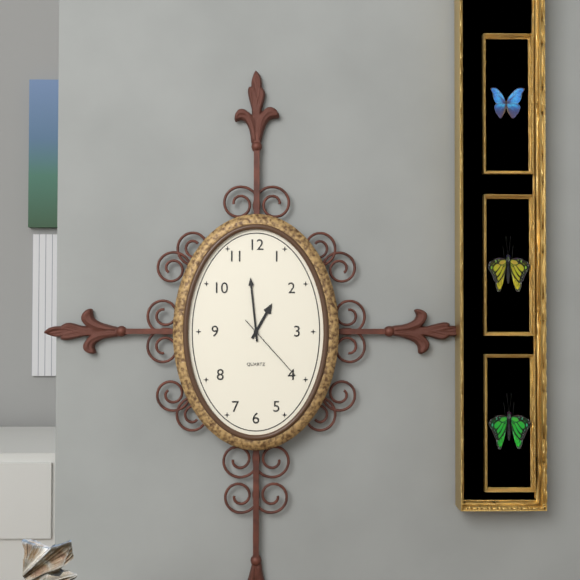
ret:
12,59,23
